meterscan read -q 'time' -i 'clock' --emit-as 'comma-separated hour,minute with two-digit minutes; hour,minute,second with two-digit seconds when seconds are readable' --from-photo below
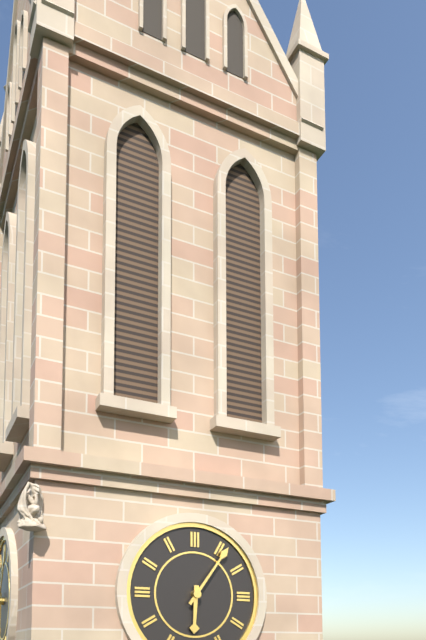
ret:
6,06
